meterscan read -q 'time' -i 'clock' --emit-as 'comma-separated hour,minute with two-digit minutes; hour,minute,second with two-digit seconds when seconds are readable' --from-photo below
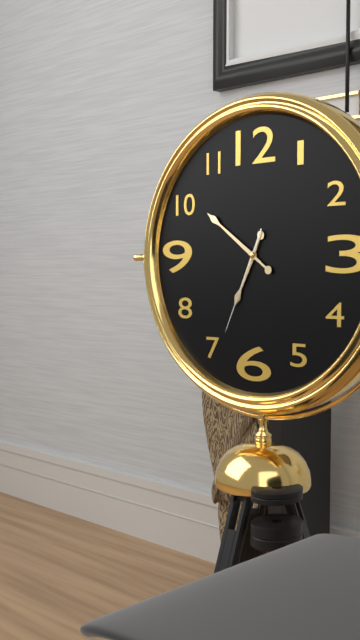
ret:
6,51,34
